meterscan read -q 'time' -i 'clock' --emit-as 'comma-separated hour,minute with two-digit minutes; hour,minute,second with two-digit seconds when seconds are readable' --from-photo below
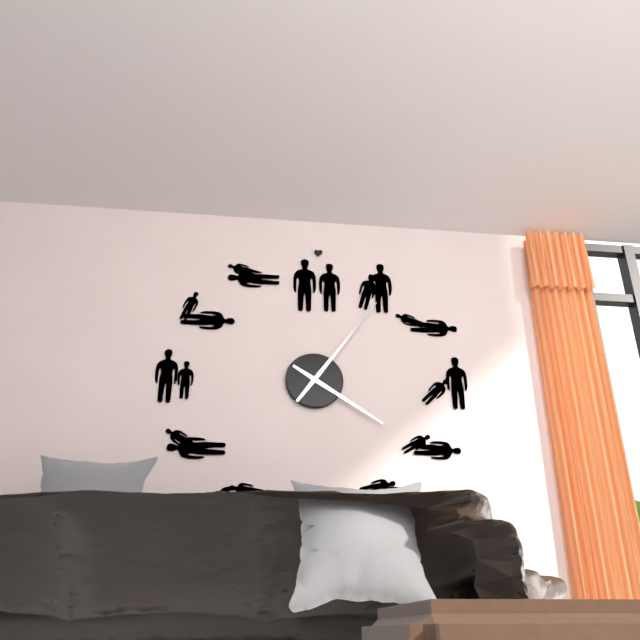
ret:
4,06
